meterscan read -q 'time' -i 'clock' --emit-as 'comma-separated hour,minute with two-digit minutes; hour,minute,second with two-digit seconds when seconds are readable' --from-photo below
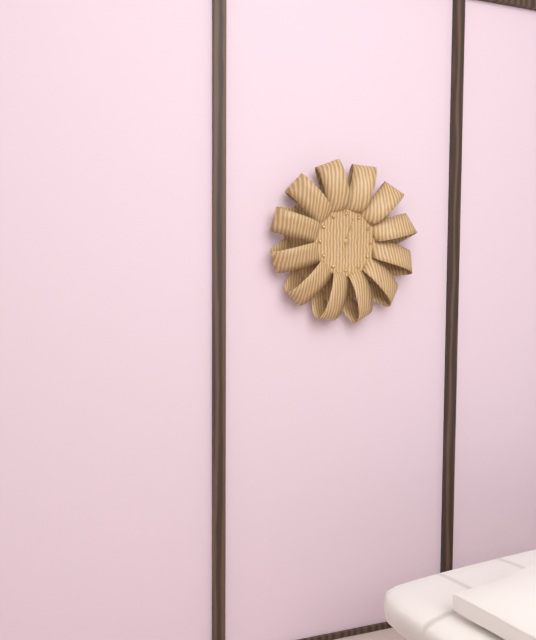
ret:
6,03
